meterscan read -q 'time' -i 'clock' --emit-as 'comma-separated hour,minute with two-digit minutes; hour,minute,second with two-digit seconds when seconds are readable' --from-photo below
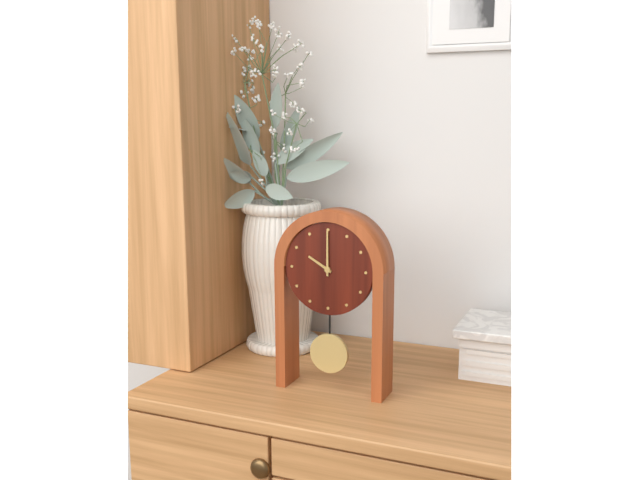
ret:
10,00
